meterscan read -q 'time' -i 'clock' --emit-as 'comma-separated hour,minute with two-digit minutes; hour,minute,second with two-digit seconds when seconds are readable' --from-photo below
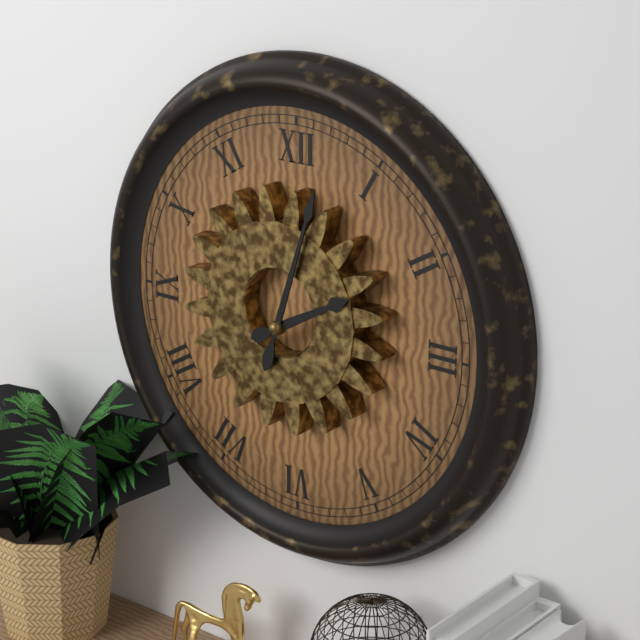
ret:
2,03
